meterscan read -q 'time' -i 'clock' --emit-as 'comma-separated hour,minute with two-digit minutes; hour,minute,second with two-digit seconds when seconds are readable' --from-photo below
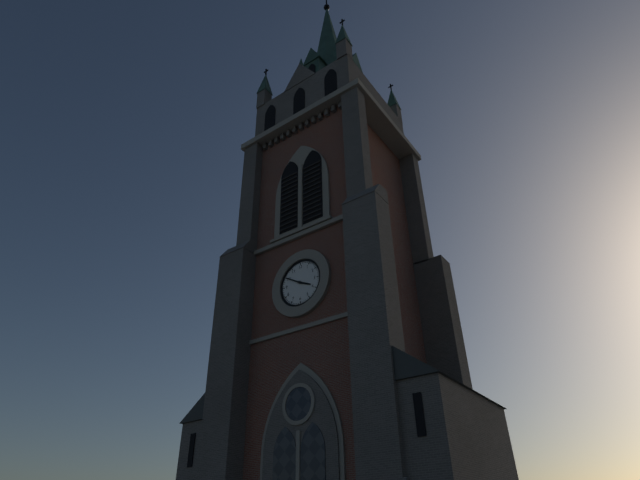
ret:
3,50
